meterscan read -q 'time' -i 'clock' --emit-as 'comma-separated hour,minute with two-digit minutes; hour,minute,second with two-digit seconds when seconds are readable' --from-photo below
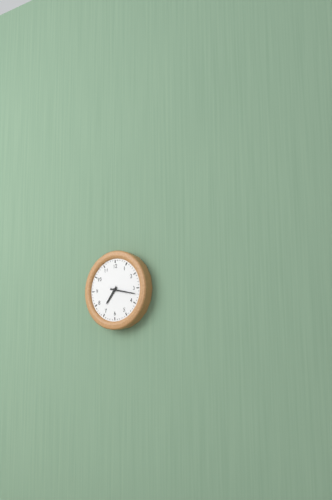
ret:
7,17
